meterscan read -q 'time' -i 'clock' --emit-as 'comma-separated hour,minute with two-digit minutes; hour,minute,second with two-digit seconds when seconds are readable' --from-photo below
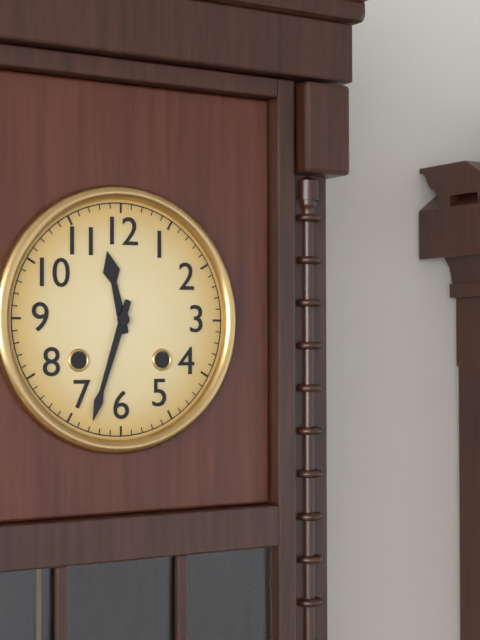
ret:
11,33
